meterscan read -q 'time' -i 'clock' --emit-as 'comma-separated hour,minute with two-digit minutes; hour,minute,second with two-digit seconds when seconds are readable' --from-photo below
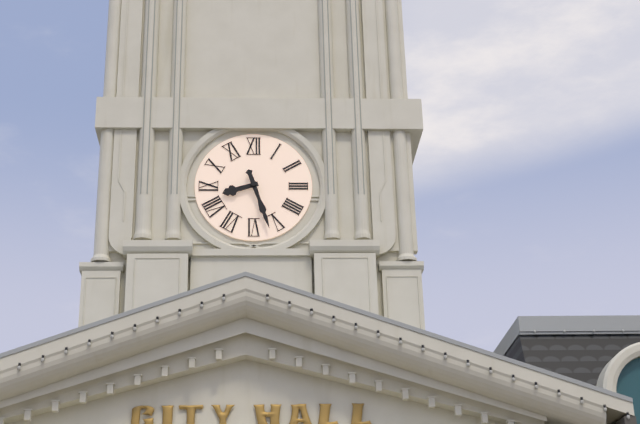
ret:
8,27
